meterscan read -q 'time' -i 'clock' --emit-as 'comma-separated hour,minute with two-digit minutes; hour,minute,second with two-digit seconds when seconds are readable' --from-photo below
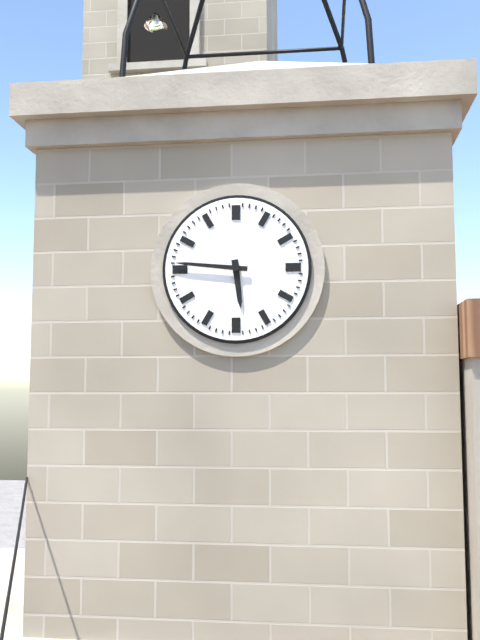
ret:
5,46
